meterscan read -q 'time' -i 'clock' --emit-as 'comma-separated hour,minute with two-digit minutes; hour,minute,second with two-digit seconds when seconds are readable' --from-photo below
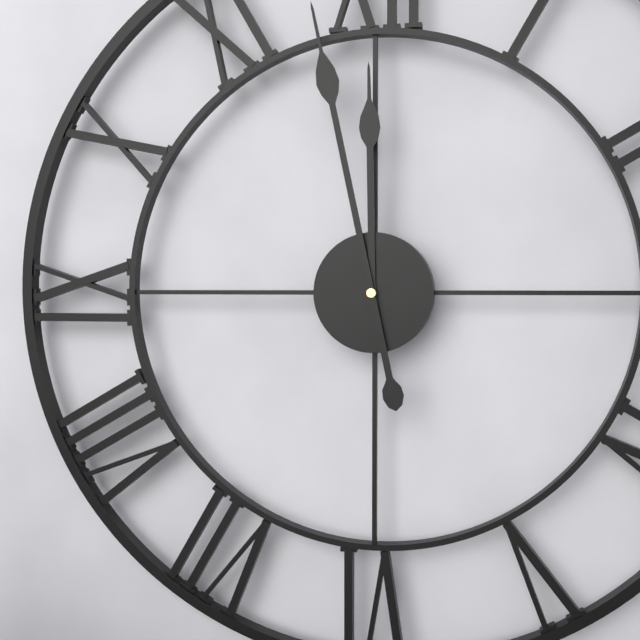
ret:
11,58
